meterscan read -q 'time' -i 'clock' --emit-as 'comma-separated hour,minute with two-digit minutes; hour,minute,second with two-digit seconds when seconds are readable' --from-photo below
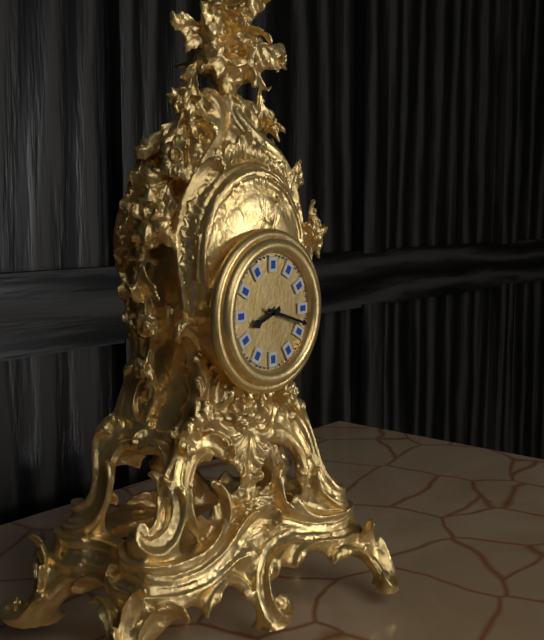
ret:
8,18
